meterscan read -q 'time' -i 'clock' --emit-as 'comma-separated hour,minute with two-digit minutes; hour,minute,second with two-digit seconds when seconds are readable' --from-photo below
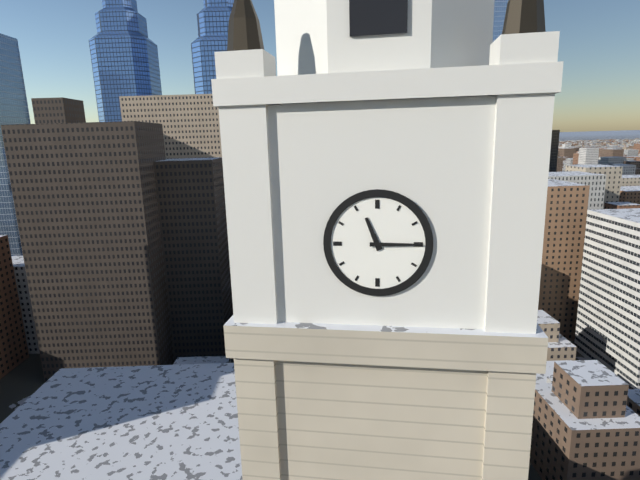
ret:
11,15
